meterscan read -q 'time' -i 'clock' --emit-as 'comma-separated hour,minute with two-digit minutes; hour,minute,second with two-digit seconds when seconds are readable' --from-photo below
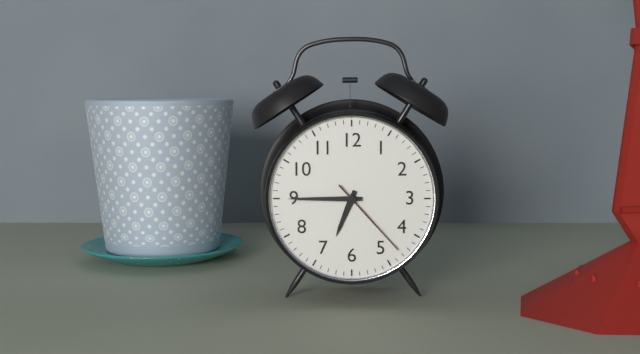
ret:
6,45,23
